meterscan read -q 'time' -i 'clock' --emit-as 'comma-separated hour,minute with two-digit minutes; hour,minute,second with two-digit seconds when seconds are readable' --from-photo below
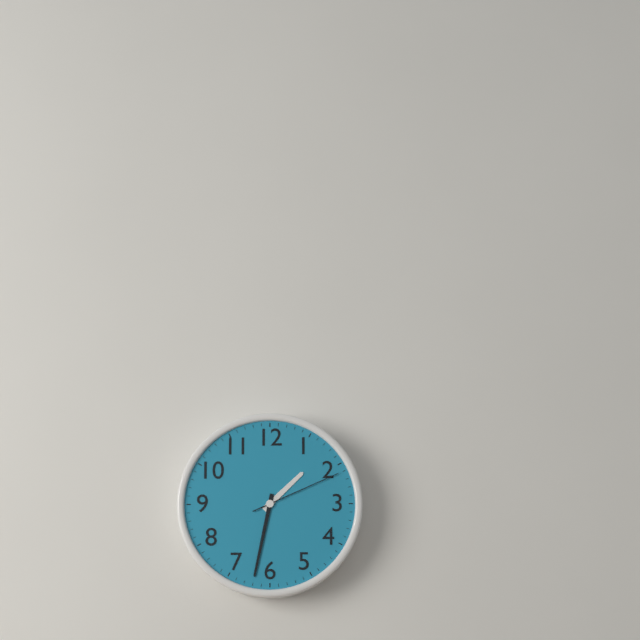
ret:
1,32,11
